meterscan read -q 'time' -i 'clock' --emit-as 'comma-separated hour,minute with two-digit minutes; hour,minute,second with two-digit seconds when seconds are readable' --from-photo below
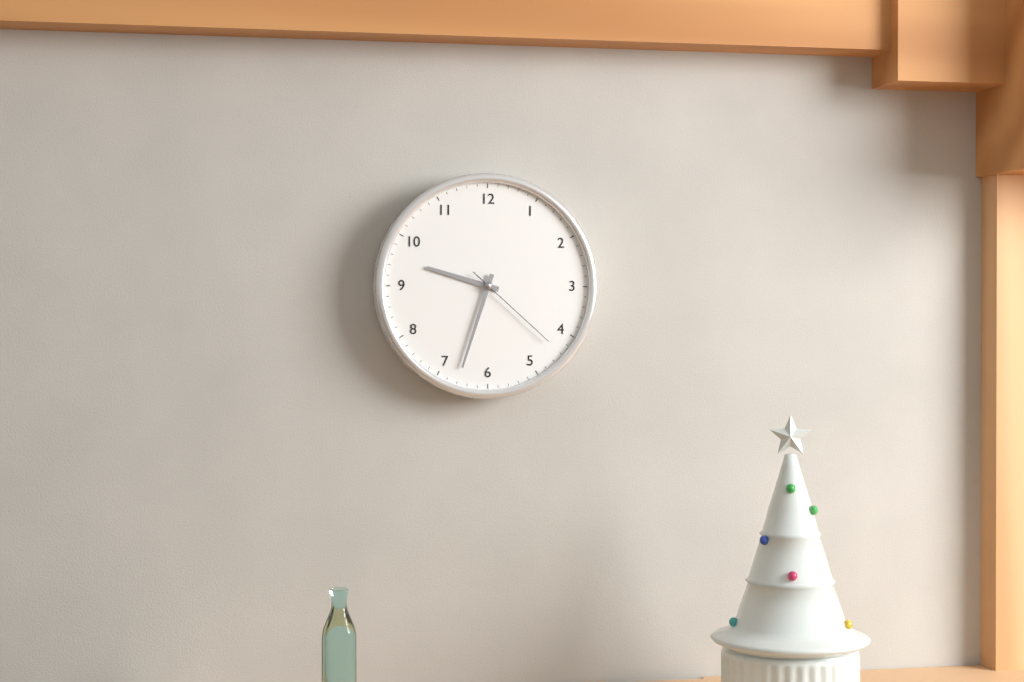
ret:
9,33,22
